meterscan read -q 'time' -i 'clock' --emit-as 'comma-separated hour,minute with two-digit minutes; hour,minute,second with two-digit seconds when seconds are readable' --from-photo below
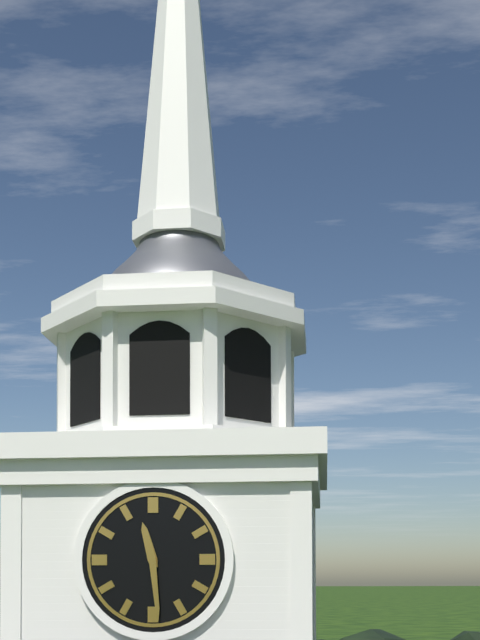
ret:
11,29
